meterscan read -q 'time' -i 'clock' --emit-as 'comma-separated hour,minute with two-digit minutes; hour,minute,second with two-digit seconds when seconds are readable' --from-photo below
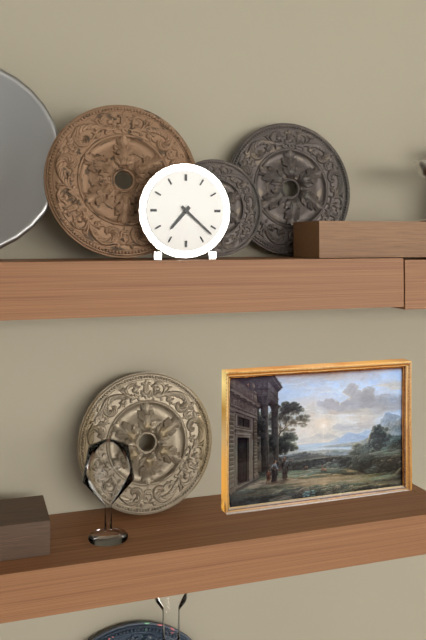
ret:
7,22
